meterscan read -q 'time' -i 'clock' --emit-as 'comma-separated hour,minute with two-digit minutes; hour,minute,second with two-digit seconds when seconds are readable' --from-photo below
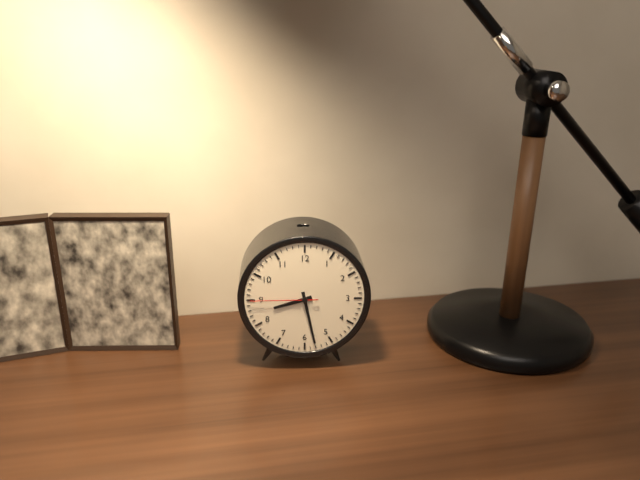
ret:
8,28,45
